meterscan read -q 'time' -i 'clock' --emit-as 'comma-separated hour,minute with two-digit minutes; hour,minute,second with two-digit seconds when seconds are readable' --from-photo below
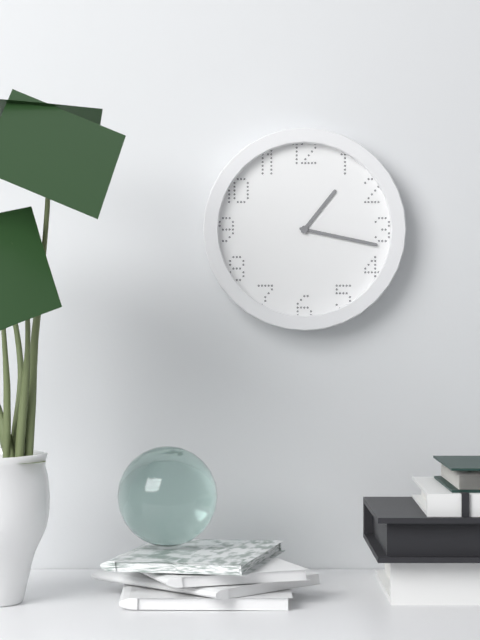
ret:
1,17
